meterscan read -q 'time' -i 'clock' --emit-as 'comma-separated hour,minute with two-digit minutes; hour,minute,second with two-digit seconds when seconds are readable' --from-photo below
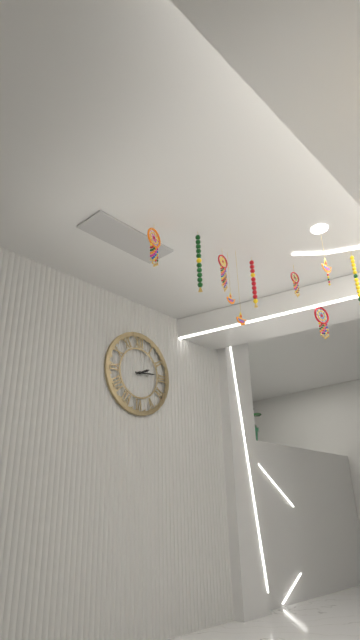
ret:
2,14
